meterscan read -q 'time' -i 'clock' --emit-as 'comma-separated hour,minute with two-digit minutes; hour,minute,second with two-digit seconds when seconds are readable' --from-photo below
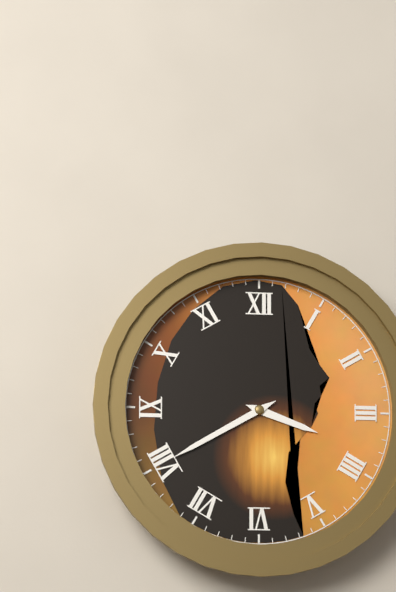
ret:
3,40
